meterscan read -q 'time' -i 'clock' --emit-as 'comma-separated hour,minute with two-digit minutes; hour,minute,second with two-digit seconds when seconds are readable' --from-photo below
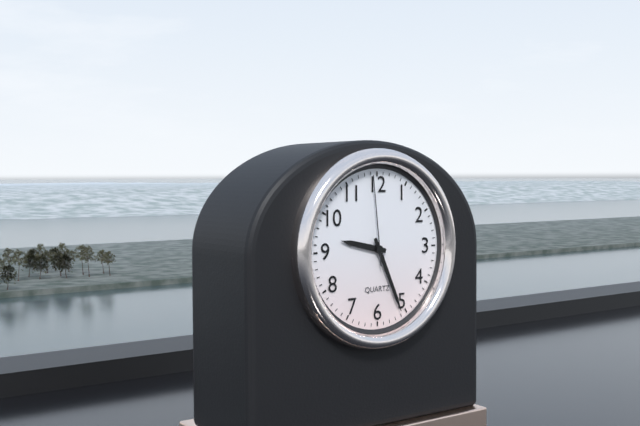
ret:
9,26,59
